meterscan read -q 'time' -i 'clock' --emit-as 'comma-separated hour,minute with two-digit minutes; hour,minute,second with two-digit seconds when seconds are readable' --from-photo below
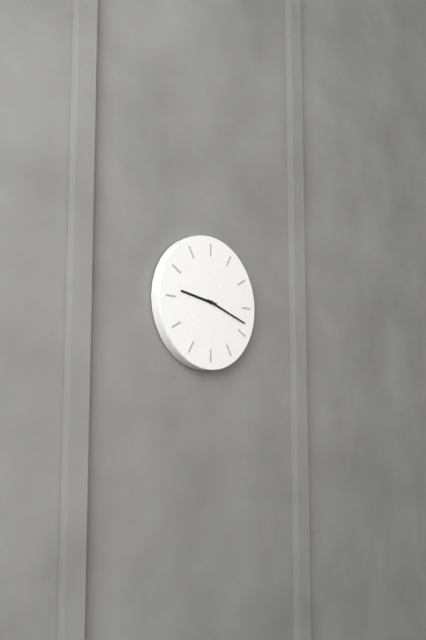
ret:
9,18
